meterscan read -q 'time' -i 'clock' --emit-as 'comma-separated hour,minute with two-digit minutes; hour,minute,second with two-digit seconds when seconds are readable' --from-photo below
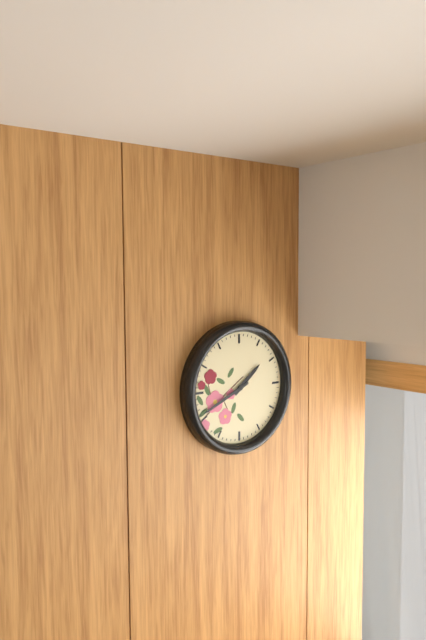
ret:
1,41
